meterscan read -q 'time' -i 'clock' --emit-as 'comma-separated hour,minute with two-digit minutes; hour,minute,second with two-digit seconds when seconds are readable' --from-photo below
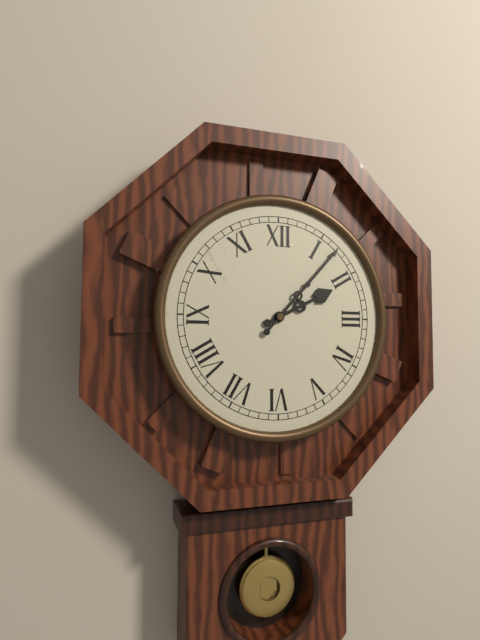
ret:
2,07
